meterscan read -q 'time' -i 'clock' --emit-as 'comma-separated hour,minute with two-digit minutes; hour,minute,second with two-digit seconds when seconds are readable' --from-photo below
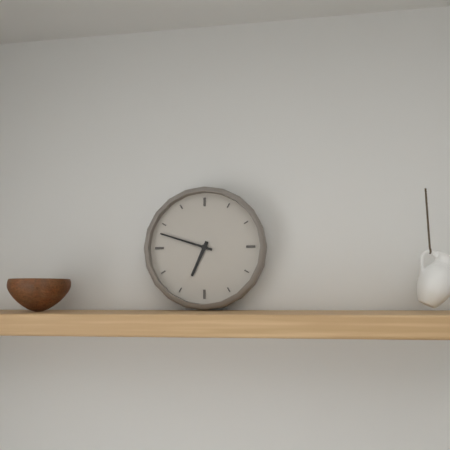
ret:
6,48
